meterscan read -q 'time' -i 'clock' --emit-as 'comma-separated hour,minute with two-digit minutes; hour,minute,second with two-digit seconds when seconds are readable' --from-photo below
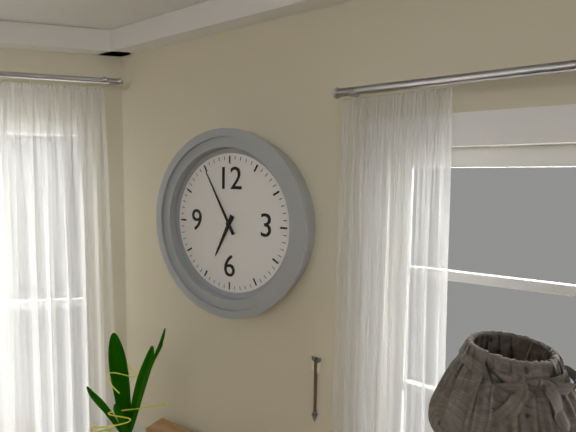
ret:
6,55
